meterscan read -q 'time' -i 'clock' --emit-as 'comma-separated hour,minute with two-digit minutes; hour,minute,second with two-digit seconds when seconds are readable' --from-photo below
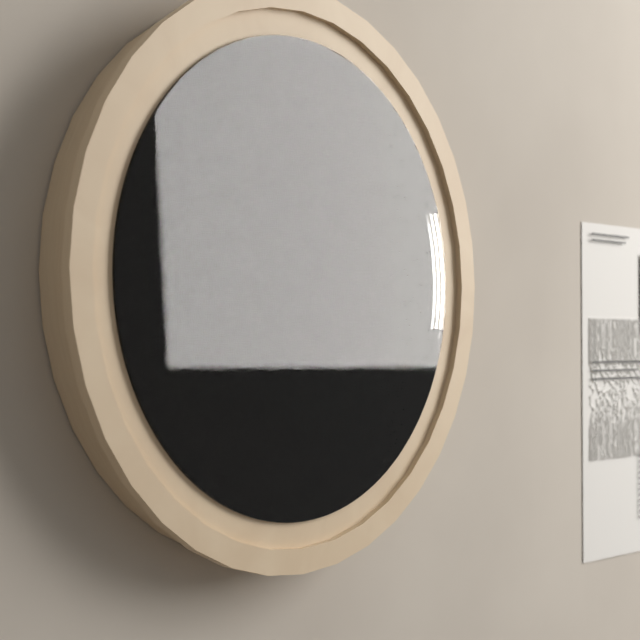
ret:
10,02
